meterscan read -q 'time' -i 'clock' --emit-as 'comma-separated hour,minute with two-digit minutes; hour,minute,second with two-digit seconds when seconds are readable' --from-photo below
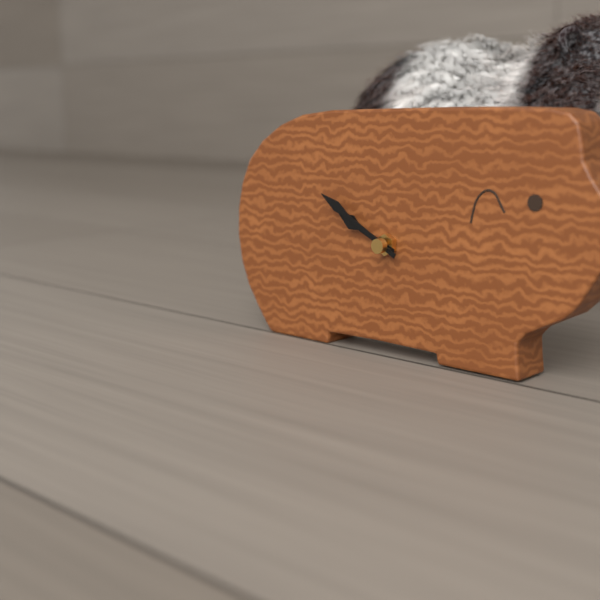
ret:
9,50
